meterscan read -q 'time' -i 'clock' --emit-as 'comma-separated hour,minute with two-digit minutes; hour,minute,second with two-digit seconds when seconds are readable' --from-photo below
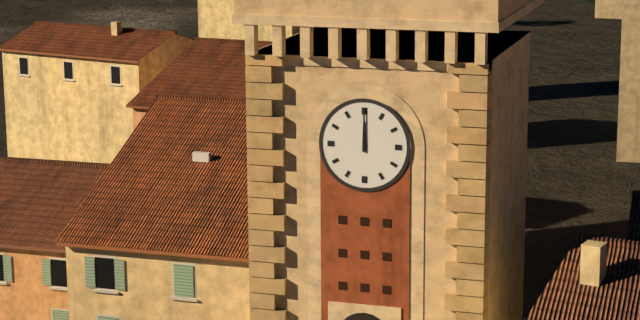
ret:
12,00
